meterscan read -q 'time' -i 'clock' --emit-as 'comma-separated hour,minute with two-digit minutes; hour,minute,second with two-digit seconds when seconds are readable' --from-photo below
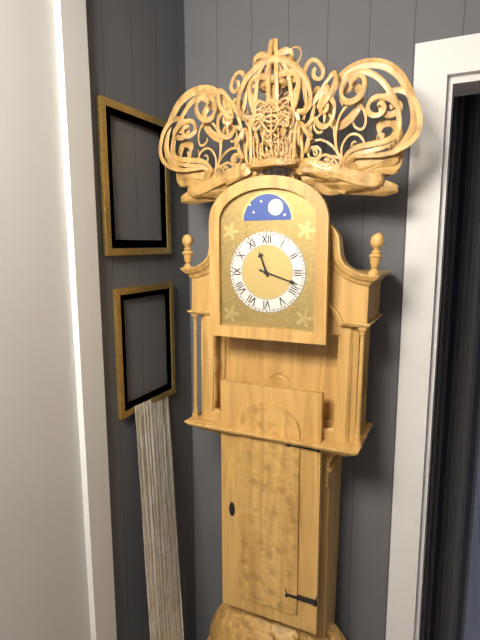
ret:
11,18
